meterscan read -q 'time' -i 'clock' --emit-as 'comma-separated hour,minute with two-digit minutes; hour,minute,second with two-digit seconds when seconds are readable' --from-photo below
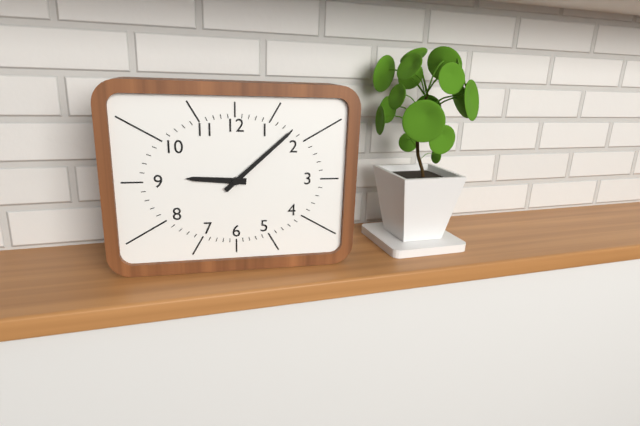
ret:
9,08
